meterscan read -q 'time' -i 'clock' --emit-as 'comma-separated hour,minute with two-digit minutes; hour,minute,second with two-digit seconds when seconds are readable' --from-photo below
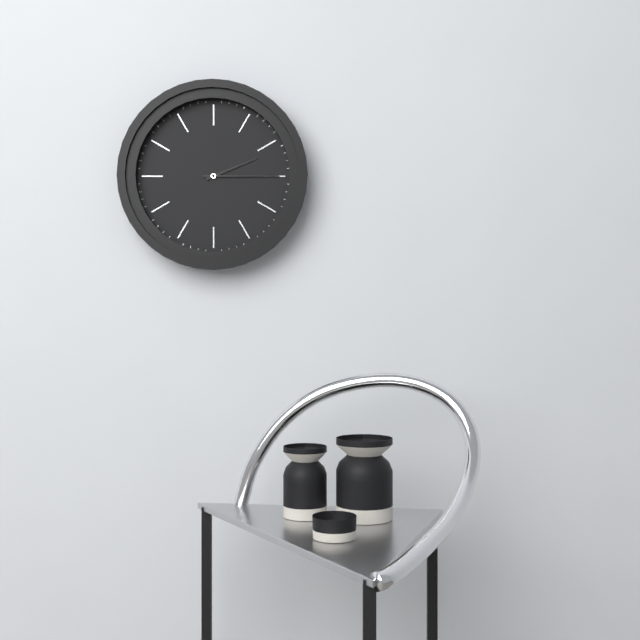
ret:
2,15
